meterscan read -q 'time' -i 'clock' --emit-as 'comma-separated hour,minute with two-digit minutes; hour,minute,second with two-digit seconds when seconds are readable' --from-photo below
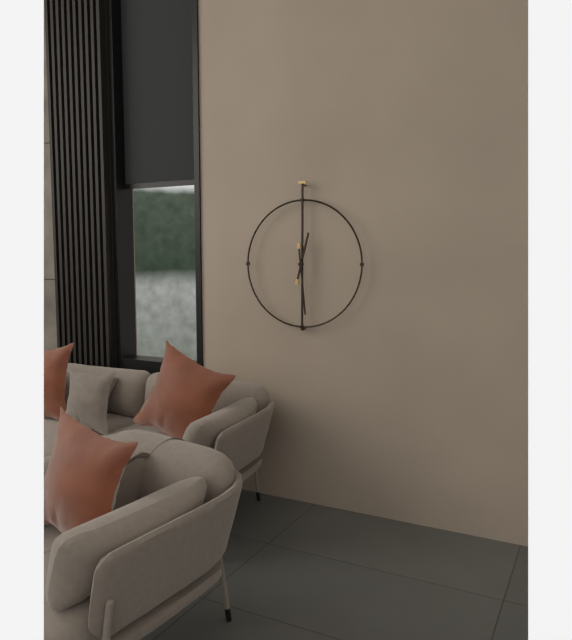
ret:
12,29
